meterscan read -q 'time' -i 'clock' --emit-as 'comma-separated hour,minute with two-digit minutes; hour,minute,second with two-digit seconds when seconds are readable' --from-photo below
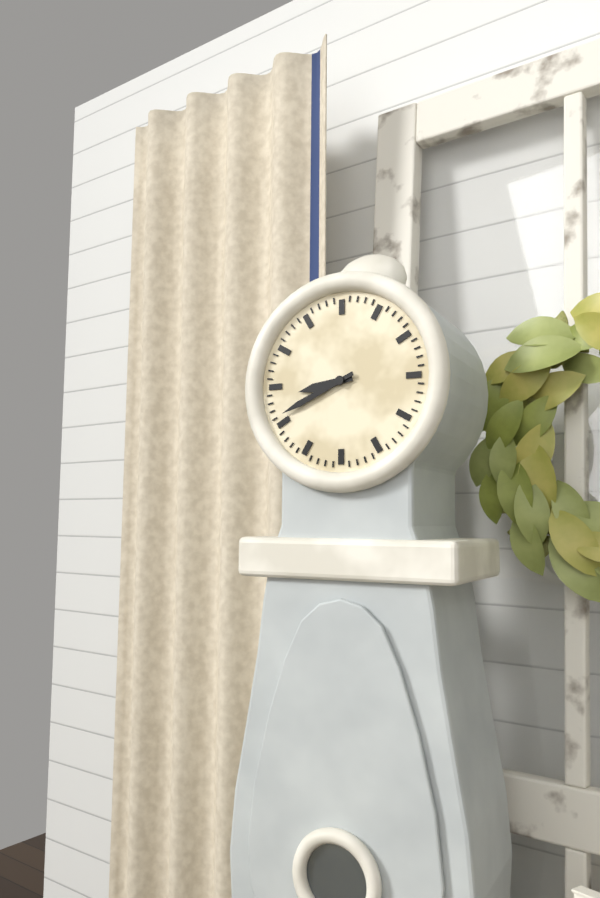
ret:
8,41
